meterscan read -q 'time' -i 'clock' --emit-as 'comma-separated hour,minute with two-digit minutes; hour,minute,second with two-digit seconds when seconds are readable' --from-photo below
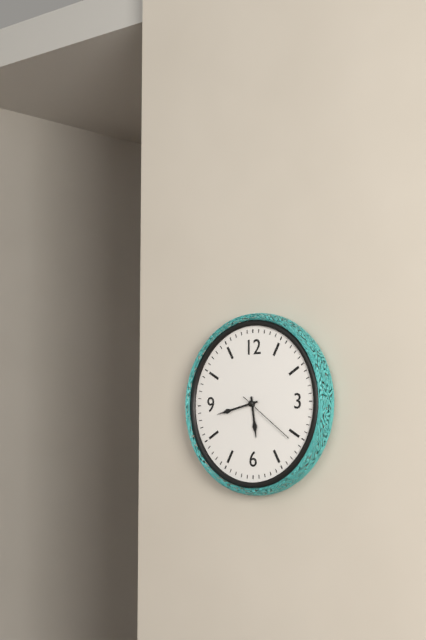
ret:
5,43,21
